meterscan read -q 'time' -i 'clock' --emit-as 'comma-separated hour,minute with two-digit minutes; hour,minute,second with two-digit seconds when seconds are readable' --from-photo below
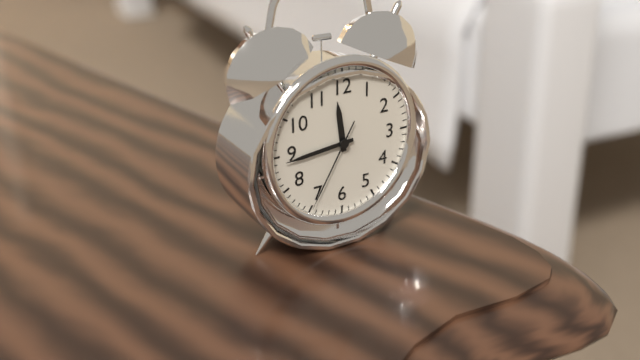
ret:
11,44,35
